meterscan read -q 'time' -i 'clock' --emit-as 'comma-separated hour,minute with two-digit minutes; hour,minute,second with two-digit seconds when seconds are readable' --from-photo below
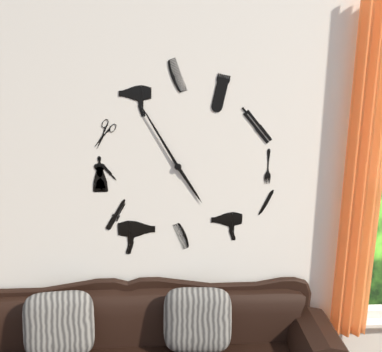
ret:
4,55
